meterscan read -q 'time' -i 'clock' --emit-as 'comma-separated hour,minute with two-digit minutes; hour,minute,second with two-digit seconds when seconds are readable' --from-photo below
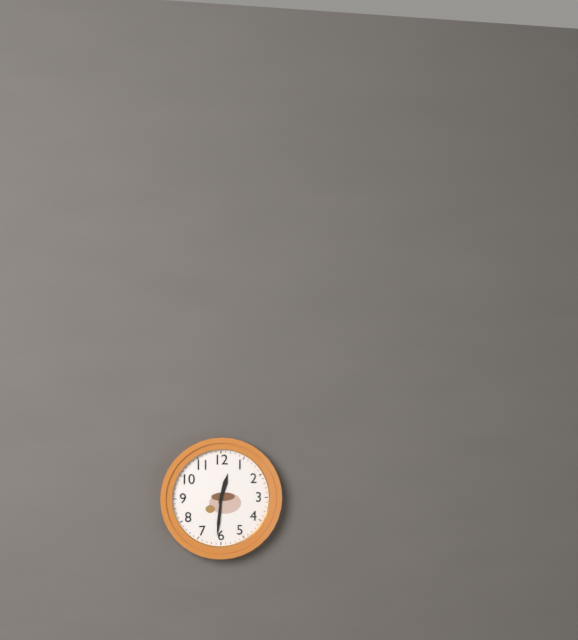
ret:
12,31
